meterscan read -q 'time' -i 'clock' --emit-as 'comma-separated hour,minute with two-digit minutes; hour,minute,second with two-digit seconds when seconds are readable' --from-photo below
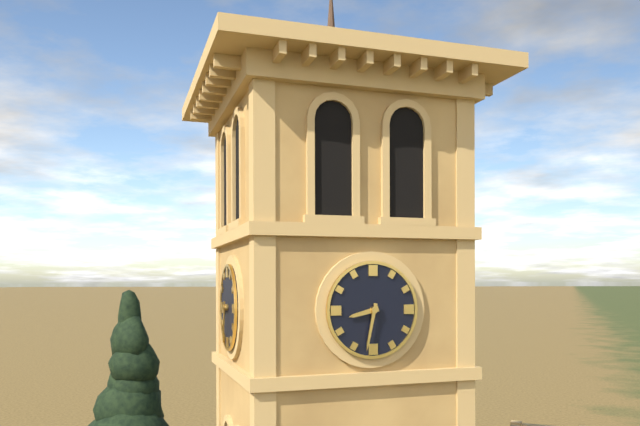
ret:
8,32
